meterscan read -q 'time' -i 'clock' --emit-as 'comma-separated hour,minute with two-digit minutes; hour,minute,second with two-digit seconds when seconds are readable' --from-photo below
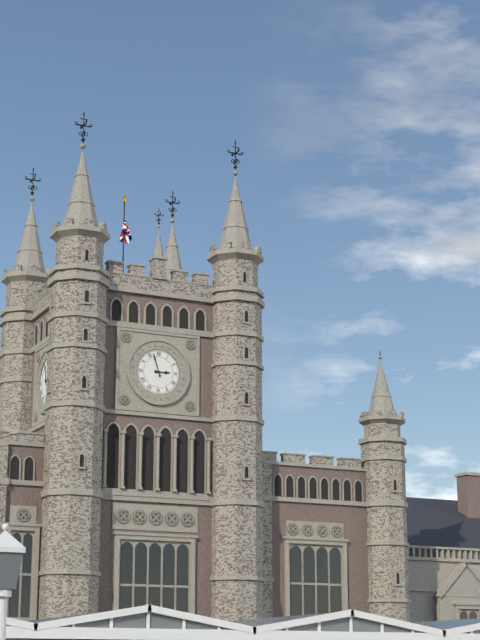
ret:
2,57
